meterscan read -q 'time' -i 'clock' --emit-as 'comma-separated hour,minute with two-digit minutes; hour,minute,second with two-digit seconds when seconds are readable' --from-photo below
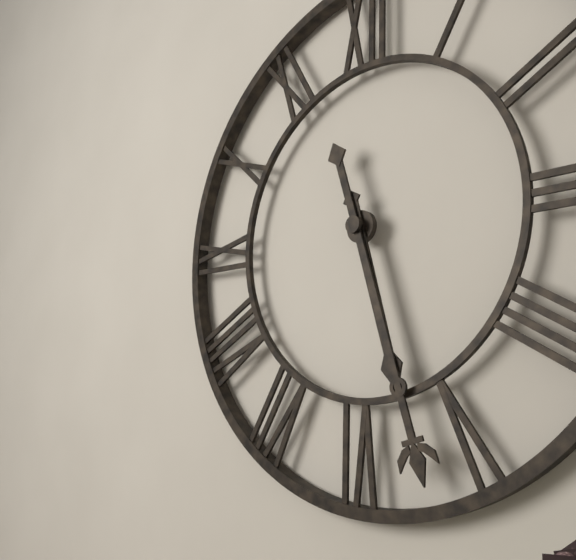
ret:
5,27
